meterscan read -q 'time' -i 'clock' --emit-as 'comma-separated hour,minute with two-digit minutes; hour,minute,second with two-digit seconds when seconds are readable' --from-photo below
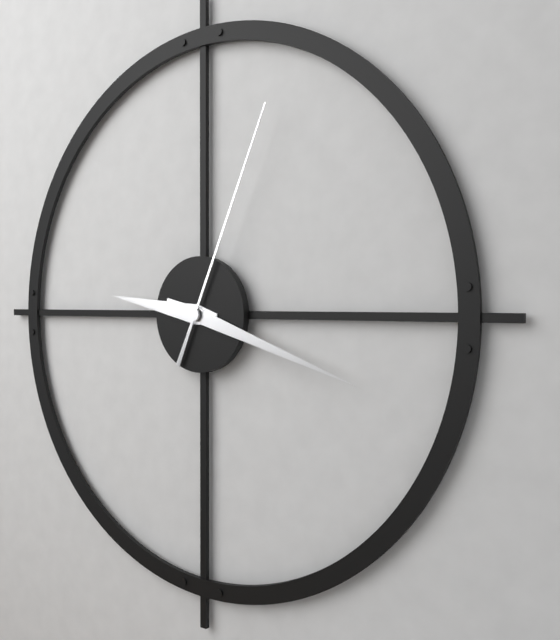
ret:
9,18,04
